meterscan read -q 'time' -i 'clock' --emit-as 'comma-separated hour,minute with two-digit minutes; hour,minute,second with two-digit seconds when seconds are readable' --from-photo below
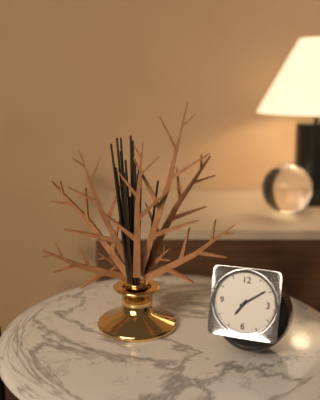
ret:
7,09
